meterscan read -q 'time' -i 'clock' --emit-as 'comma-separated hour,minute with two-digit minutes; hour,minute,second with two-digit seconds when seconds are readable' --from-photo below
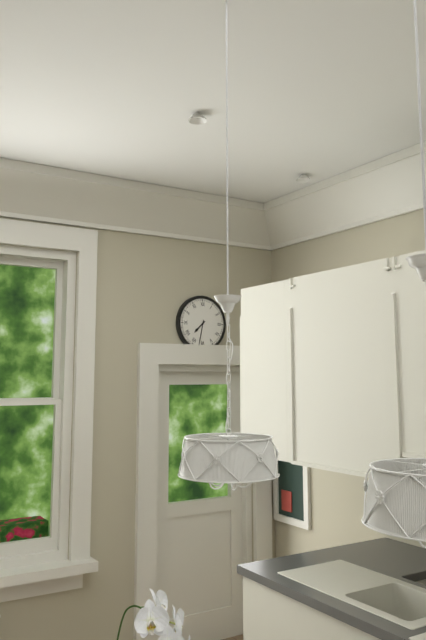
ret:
7,32
